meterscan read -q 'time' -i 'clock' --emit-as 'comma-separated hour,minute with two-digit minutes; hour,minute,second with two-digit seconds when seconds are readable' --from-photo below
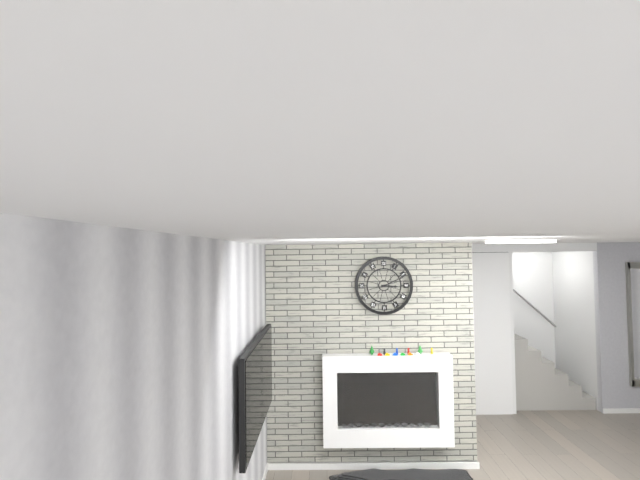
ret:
3,11
